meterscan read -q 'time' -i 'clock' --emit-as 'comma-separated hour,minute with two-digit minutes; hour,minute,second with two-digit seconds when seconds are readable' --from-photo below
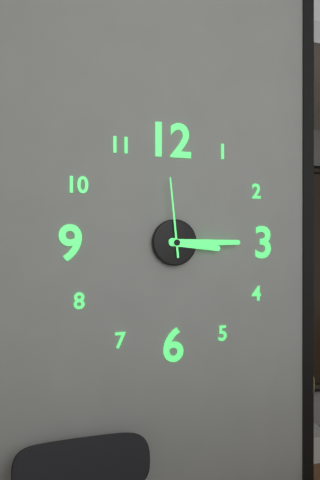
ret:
3,15,59
